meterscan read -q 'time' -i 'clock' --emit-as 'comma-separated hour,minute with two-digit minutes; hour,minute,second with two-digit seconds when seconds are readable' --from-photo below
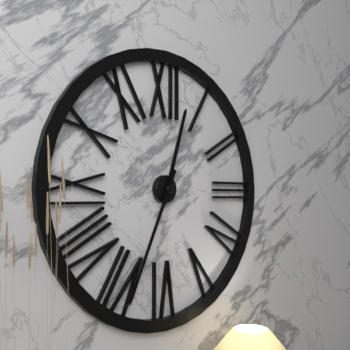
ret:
12,34
